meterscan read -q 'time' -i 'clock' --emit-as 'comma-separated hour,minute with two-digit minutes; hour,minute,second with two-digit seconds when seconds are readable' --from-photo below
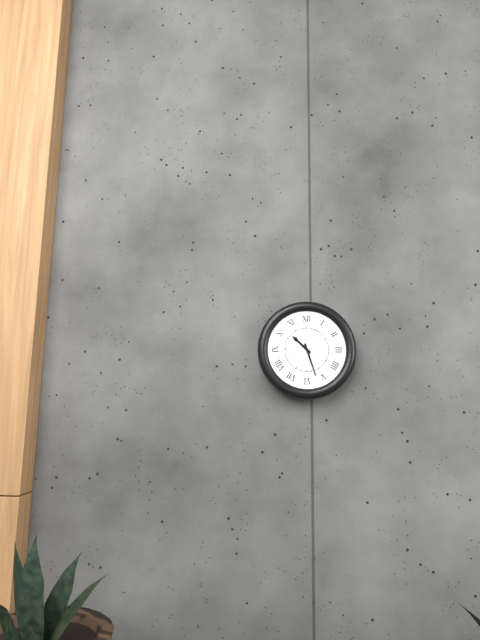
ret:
10,27
